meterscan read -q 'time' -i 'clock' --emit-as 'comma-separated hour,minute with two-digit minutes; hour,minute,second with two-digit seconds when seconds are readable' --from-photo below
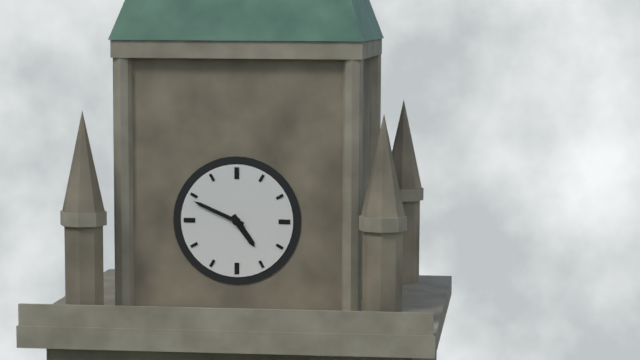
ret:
4,49
